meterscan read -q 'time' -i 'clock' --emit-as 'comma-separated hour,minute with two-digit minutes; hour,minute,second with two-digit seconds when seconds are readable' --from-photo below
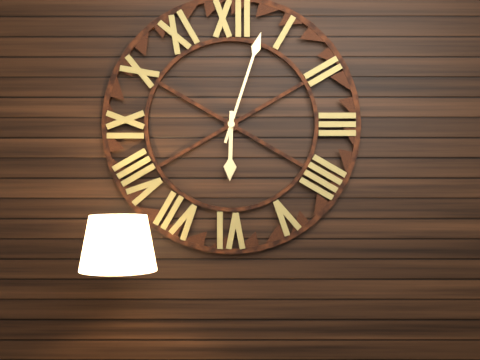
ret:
6,03
